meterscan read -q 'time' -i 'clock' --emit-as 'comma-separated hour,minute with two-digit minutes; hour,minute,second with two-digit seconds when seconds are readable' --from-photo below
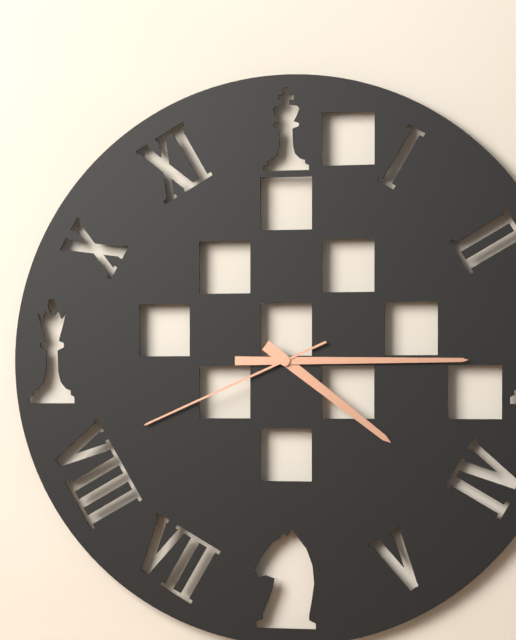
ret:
4,15,41
